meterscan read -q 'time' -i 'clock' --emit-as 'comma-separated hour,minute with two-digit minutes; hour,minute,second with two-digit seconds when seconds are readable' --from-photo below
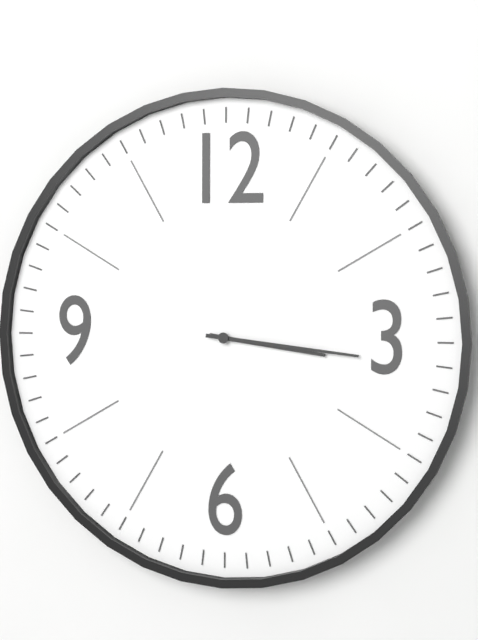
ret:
3,16
